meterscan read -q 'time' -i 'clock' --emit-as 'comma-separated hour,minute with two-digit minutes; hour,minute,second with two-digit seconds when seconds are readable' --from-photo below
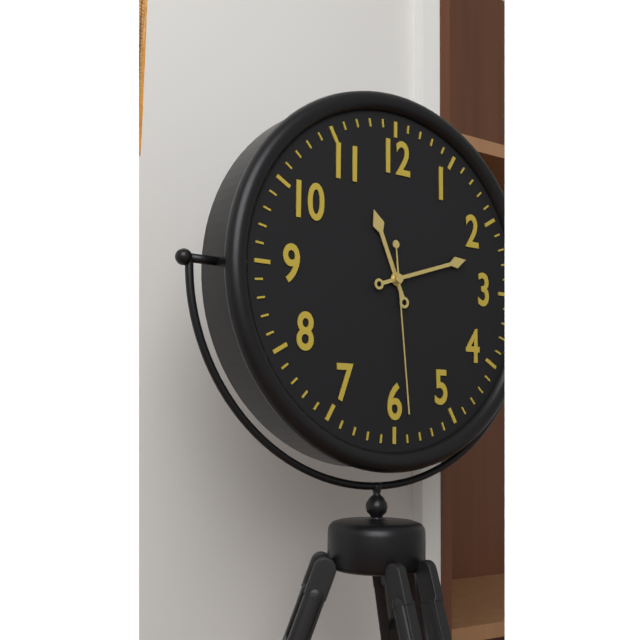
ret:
11,12,29
